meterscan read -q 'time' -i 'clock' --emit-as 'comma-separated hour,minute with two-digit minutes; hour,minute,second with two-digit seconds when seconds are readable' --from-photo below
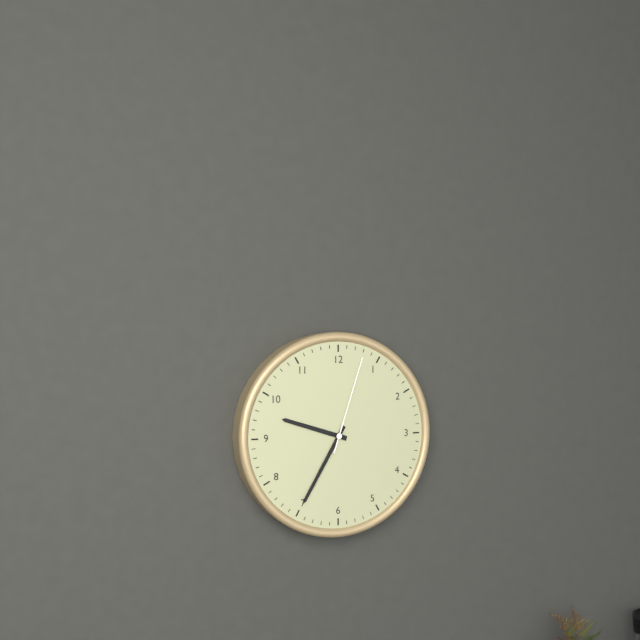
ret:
9,35,03
